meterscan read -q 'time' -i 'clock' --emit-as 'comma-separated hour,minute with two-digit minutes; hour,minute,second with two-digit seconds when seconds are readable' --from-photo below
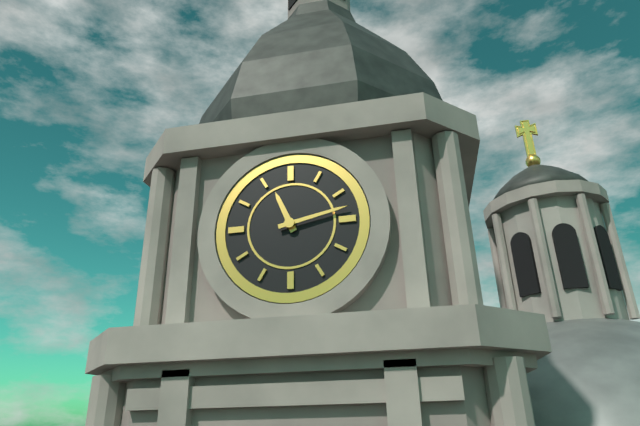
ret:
11,13
